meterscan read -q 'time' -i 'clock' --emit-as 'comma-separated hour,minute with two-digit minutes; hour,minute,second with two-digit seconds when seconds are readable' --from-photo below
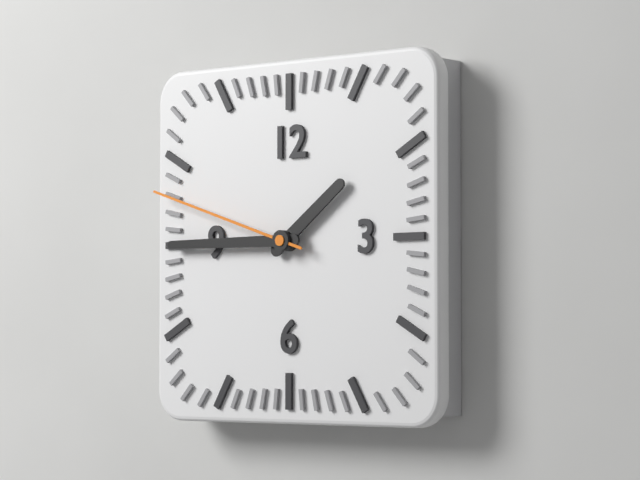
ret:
1,45,48
